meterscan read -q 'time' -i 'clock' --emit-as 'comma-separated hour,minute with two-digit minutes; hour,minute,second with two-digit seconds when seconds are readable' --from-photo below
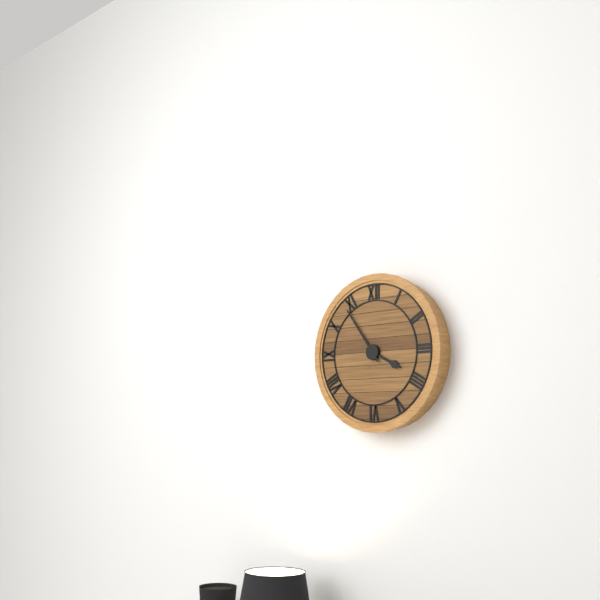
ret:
3,54
